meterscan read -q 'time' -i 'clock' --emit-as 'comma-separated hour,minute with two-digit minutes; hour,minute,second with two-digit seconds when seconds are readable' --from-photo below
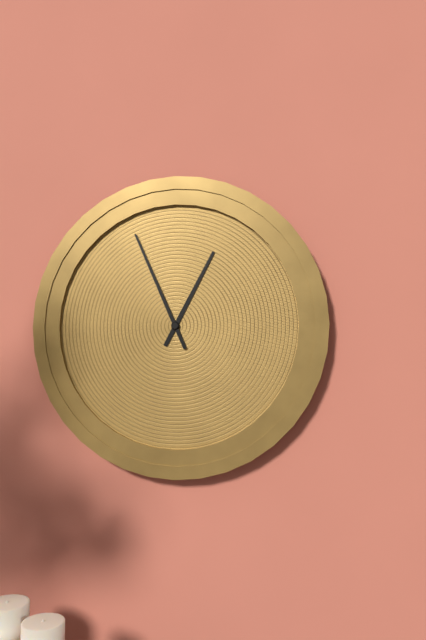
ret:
12,56
